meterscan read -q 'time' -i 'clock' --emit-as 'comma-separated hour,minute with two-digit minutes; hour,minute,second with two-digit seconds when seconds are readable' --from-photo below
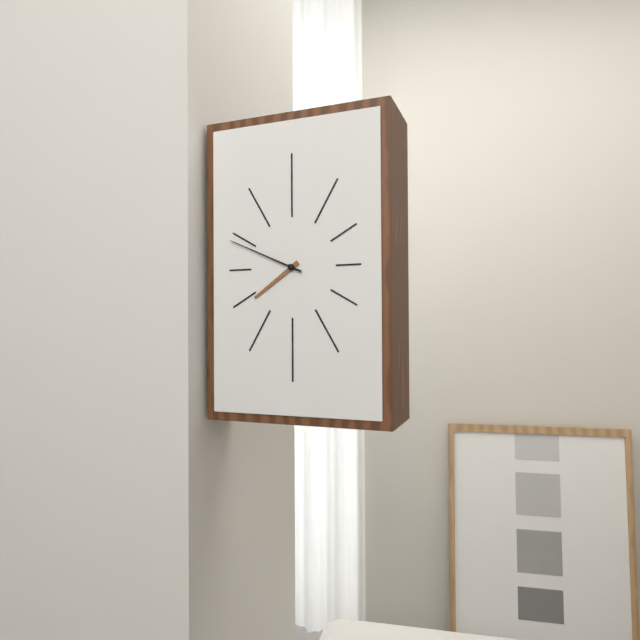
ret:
7,49
